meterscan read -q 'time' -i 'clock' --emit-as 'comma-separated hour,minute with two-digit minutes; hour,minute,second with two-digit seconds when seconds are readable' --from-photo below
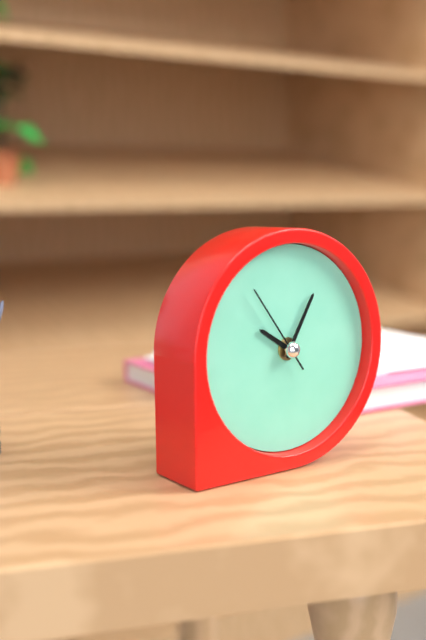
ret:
10,05,54
